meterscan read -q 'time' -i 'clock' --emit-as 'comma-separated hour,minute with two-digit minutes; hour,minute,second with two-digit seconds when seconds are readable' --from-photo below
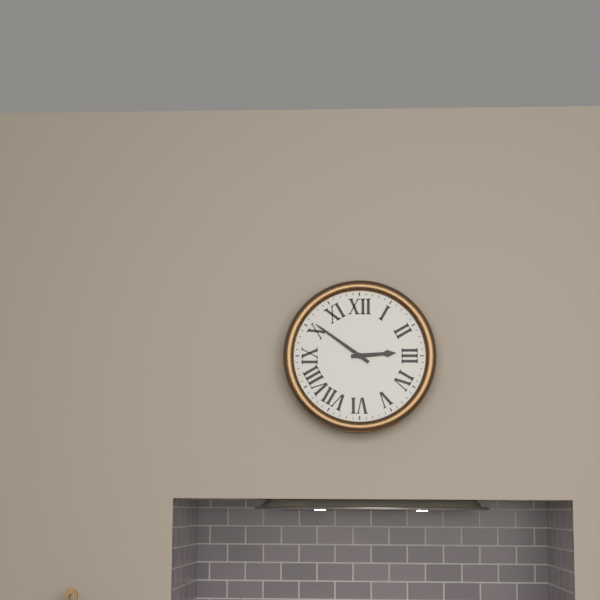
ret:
2,51
